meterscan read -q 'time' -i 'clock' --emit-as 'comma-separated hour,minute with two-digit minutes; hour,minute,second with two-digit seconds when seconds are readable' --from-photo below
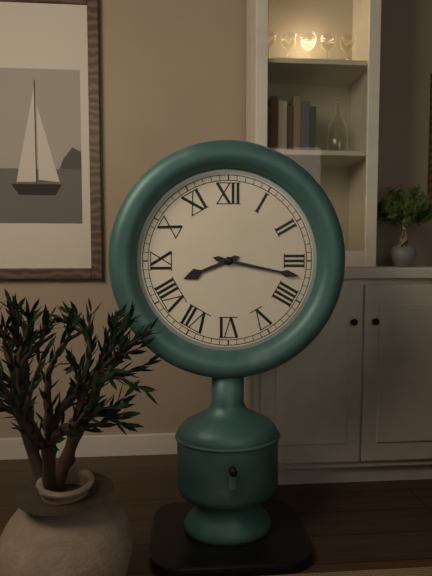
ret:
8,17
